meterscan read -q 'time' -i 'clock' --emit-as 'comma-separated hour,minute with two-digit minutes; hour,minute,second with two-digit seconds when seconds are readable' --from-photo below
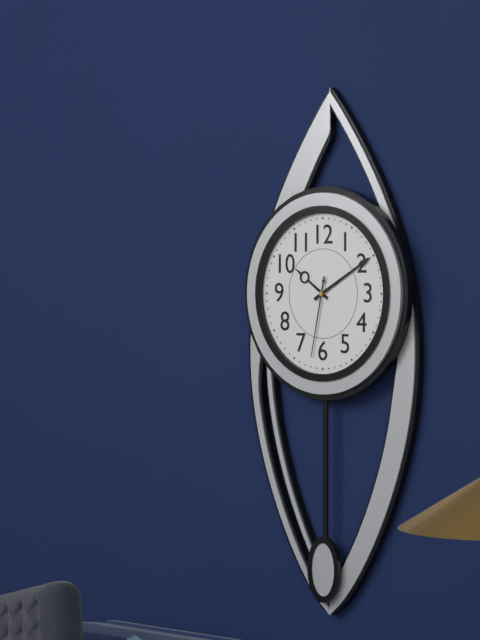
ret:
10,10,32
